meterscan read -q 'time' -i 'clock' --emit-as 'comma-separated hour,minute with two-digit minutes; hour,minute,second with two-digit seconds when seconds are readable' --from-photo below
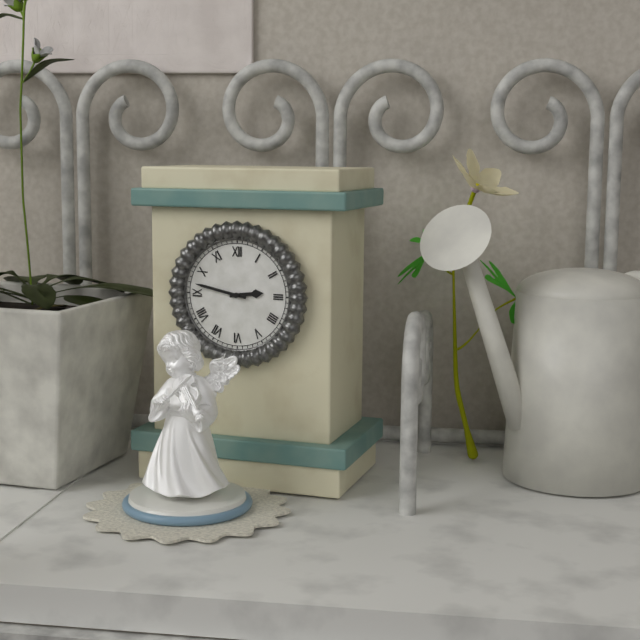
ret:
2,47
